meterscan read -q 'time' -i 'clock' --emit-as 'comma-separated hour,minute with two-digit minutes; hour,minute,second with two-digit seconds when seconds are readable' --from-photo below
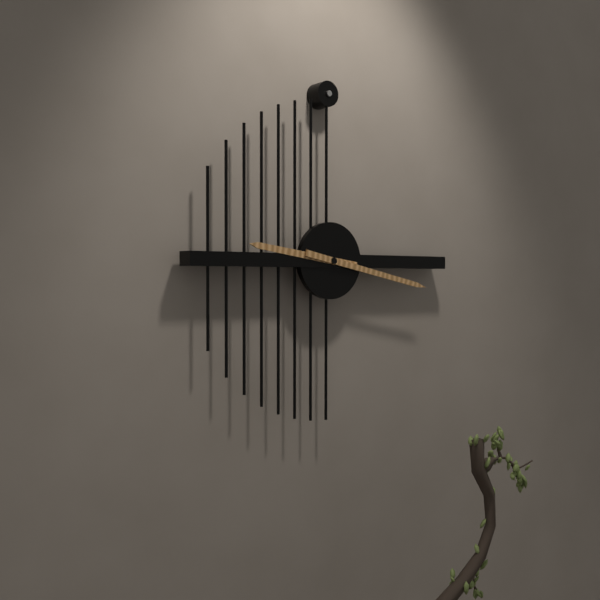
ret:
9,17
